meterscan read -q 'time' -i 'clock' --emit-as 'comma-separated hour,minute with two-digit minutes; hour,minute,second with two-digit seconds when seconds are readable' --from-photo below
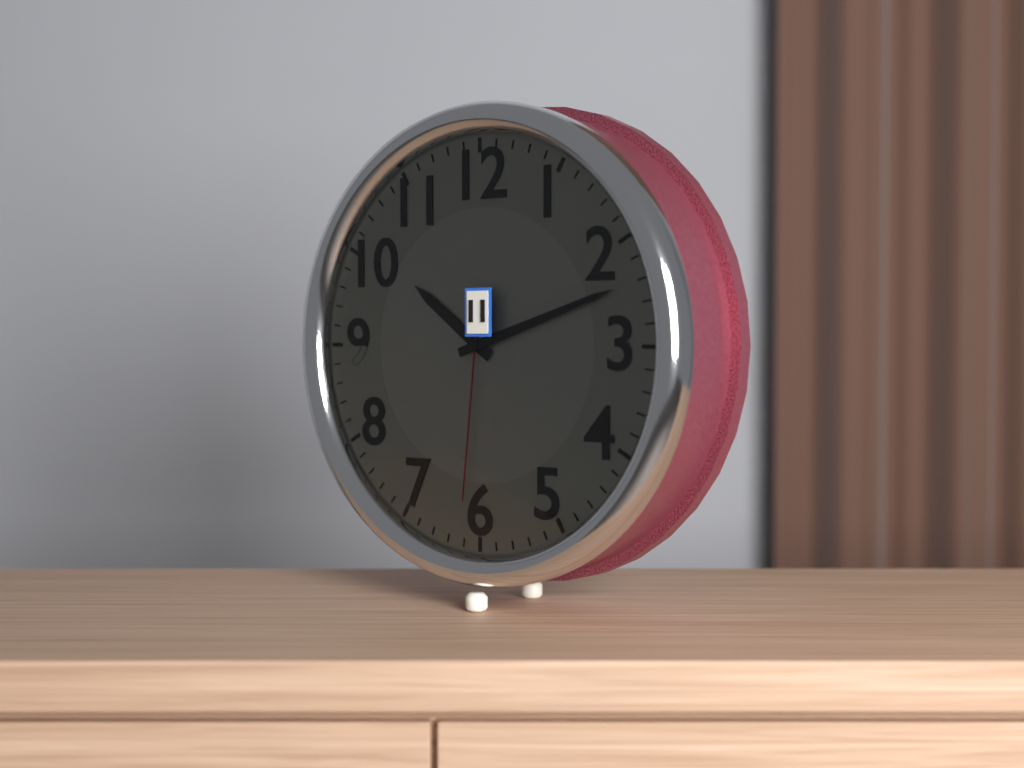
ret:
10,12,31
